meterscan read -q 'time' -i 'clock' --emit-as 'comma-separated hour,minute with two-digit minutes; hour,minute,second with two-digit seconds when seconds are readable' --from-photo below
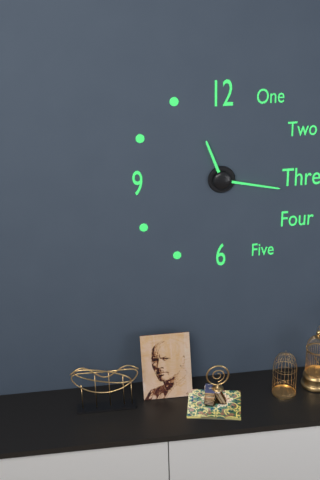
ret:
11,17
